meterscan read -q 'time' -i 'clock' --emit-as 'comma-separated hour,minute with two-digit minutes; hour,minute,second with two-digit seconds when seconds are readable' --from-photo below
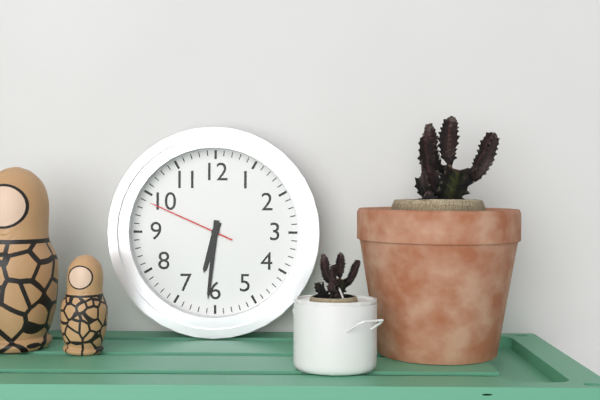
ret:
6,31,49
